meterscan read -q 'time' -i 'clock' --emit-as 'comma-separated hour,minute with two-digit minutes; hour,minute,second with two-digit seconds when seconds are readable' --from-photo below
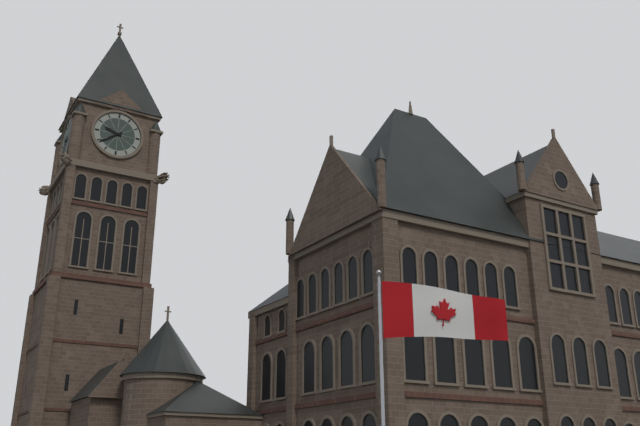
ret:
9,39
